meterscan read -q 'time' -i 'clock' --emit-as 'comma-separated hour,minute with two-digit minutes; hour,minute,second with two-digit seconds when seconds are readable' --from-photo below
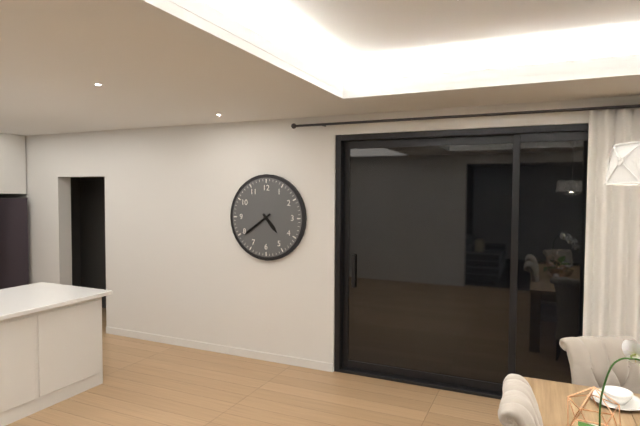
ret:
4,39
